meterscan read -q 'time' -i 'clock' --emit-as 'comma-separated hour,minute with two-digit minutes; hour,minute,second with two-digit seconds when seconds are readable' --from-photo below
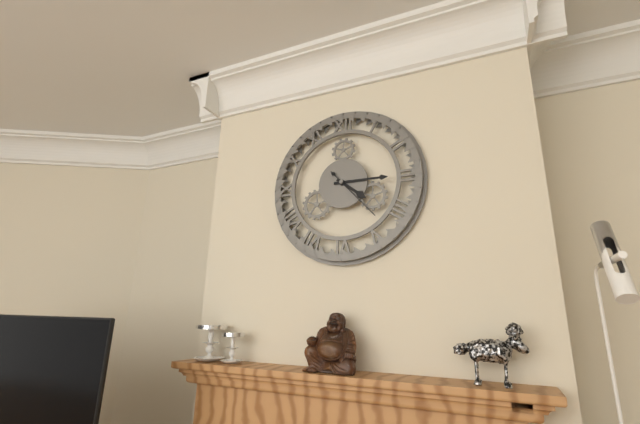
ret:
4,15,23
